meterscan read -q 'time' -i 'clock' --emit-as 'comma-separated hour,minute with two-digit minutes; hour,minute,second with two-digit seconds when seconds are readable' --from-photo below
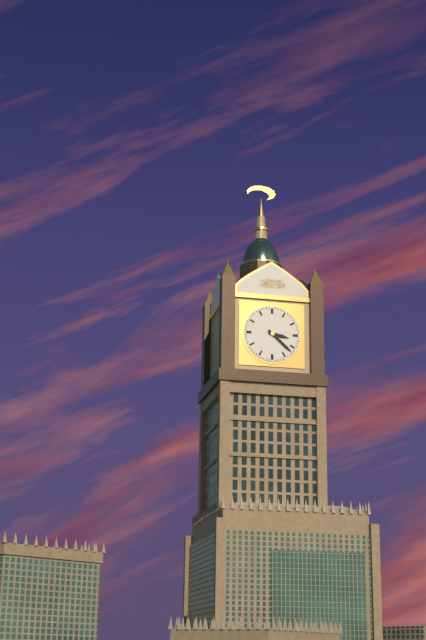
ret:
3,22
